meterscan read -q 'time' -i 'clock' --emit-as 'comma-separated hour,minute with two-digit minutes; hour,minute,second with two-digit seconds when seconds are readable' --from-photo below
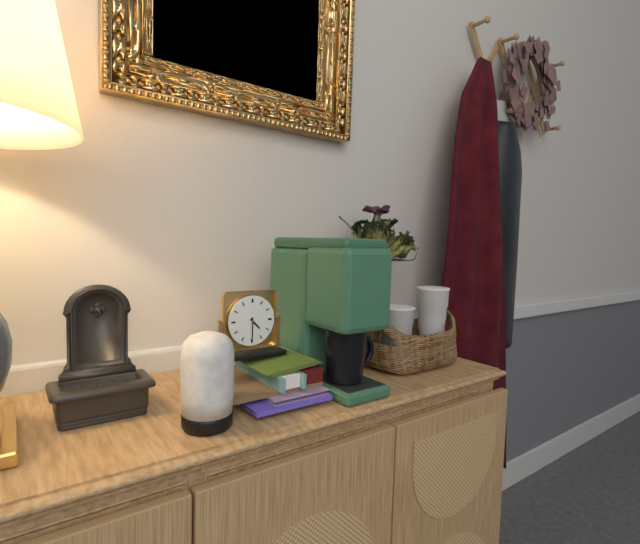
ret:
4,30
